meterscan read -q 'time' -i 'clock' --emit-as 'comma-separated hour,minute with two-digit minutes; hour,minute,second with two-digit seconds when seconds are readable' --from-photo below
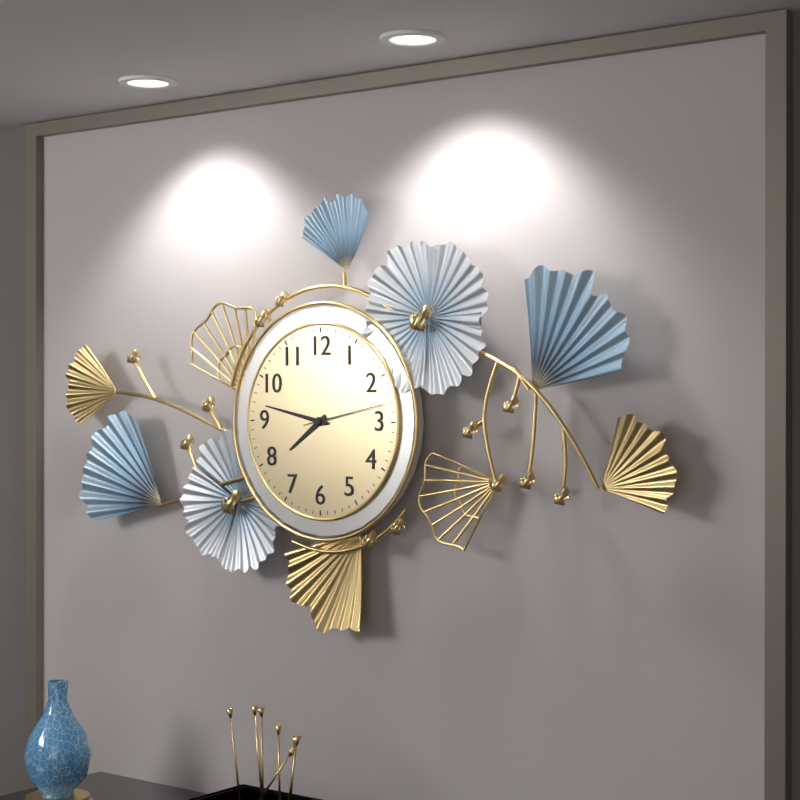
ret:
7,47,13
